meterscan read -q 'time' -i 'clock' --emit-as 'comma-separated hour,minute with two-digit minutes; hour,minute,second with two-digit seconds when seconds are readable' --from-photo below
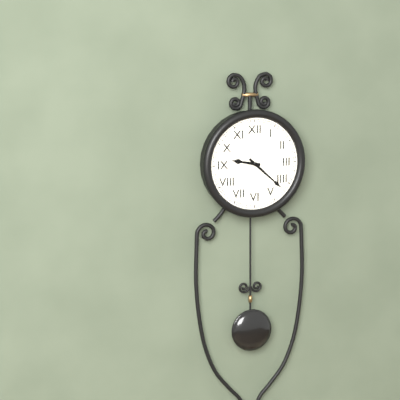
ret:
9,22
